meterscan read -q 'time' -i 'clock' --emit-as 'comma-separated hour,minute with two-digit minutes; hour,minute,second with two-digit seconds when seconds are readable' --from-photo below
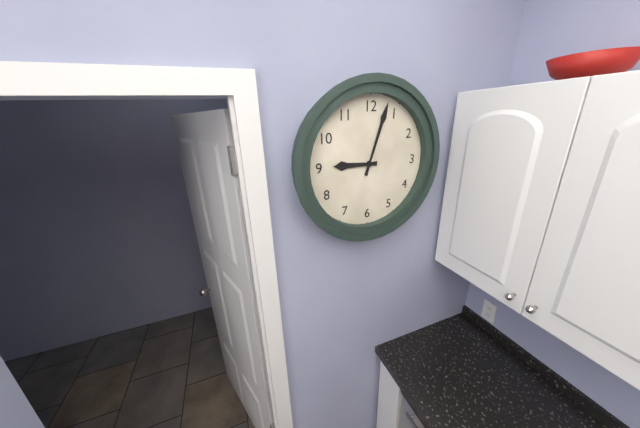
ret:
9,03
